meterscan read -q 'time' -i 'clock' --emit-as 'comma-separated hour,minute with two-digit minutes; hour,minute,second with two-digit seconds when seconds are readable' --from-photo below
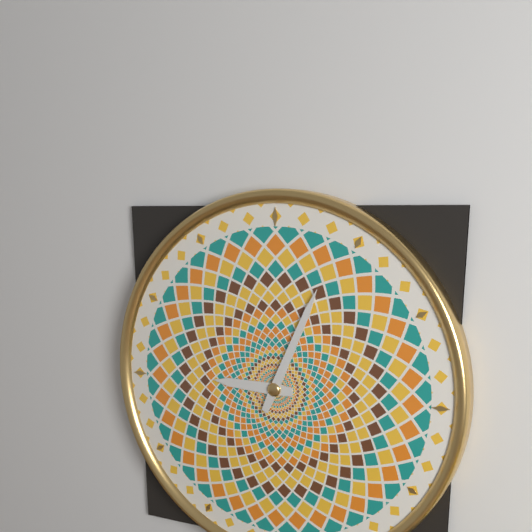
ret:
9,04
